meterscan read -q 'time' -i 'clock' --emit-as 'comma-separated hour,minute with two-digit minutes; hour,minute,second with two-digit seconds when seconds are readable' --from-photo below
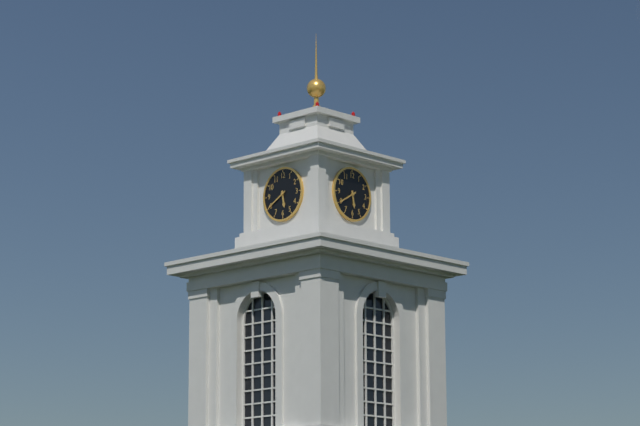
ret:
5,40
